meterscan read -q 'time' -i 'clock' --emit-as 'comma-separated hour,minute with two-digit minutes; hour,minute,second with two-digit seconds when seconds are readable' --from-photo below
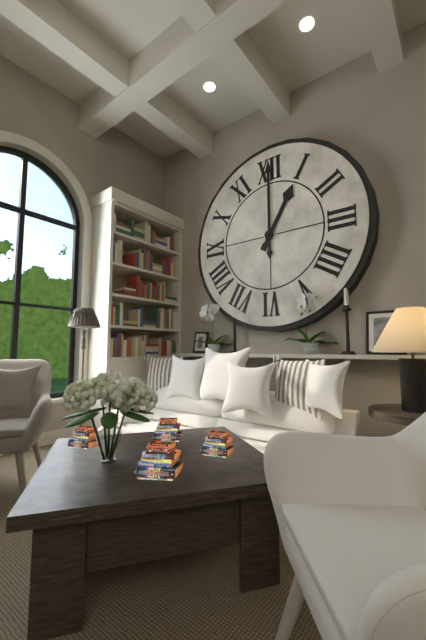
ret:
1,00
